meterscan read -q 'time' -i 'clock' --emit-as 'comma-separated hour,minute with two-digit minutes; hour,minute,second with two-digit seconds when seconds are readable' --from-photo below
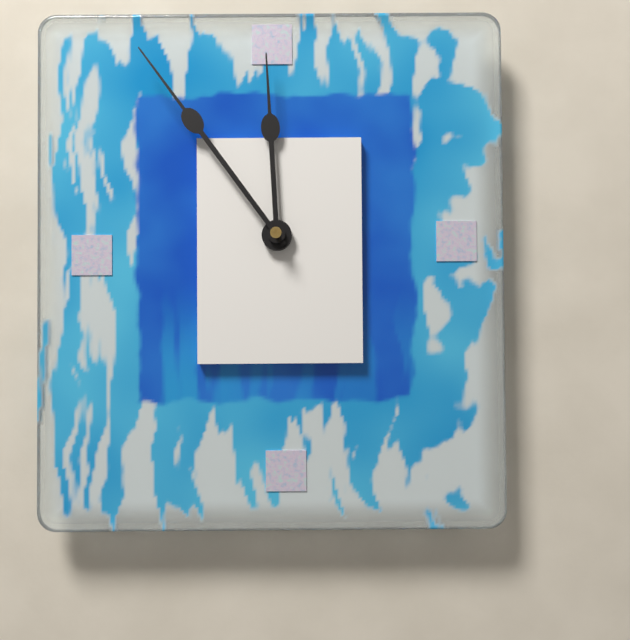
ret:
11,54
